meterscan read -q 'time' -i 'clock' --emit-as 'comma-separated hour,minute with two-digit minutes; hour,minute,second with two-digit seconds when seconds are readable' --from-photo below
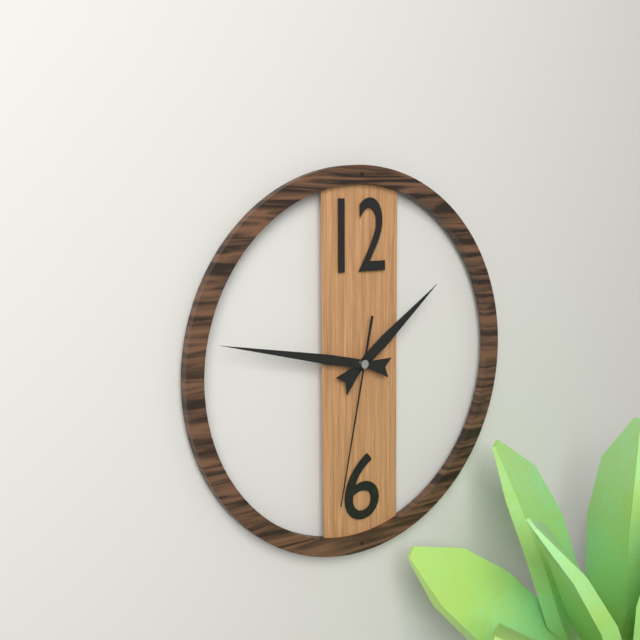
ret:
1,47,32
